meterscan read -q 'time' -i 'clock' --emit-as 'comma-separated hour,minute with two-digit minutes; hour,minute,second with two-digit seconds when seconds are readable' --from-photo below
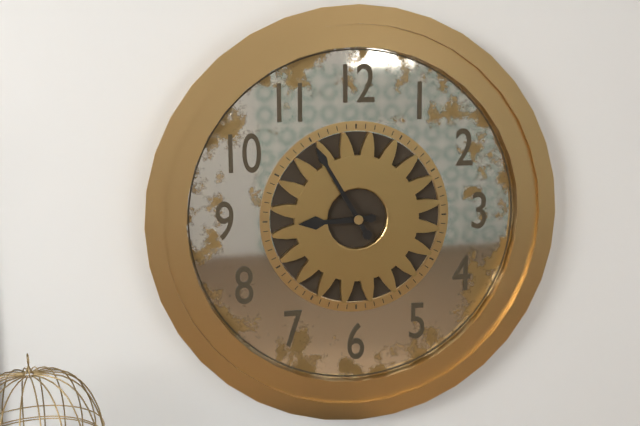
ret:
8,55
